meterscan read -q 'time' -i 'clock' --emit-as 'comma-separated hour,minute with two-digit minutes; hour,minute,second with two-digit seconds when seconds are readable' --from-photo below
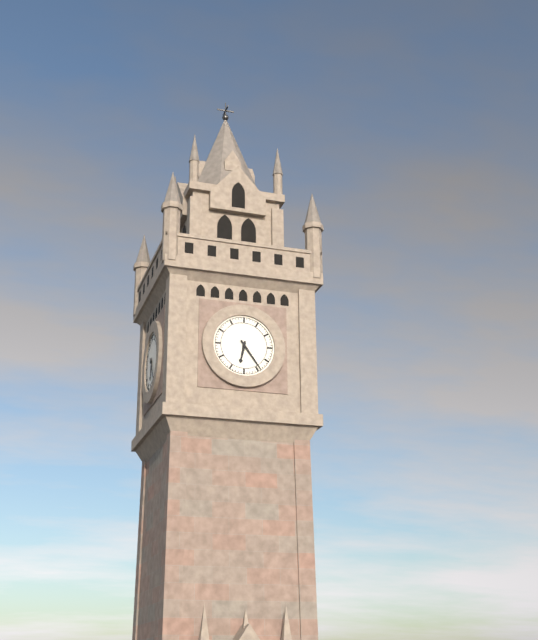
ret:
6,24
